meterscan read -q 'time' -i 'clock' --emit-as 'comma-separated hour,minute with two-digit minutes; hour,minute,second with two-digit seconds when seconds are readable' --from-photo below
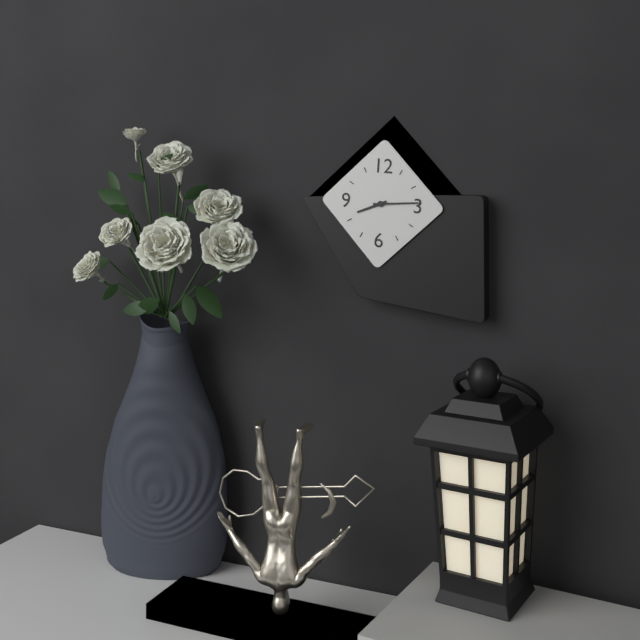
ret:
8,14
